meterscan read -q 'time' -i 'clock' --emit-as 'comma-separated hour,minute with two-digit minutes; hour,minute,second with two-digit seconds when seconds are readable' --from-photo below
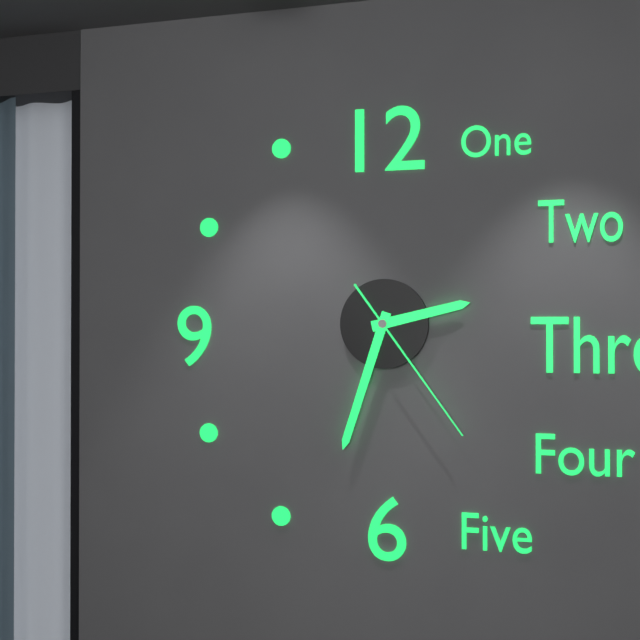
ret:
2,33,24
